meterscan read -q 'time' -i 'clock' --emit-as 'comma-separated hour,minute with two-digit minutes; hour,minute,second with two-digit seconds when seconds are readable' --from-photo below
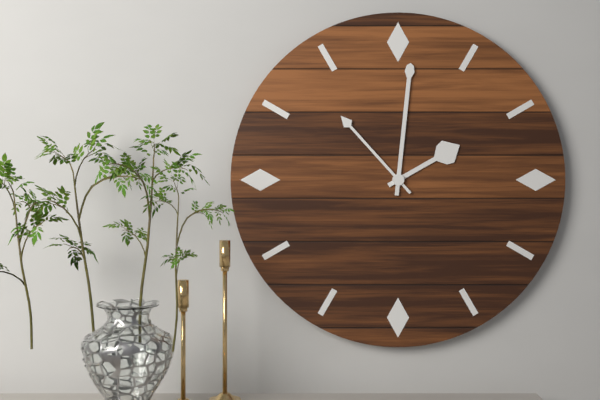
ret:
2,01,53
